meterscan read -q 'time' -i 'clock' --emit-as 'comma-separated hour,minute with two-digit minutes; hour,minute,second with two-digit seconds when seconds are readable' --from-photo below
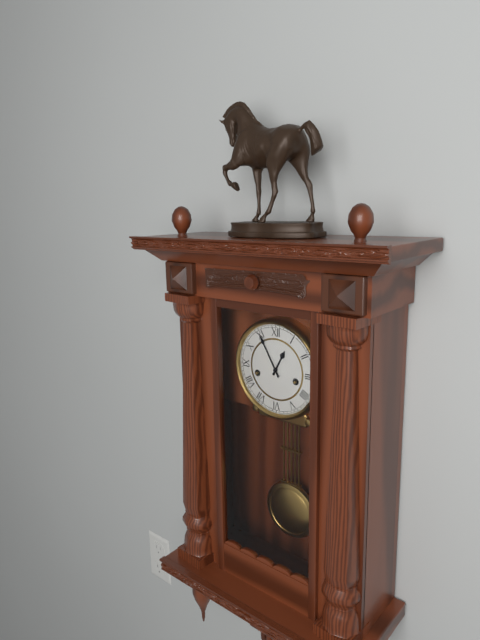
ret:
12,55
